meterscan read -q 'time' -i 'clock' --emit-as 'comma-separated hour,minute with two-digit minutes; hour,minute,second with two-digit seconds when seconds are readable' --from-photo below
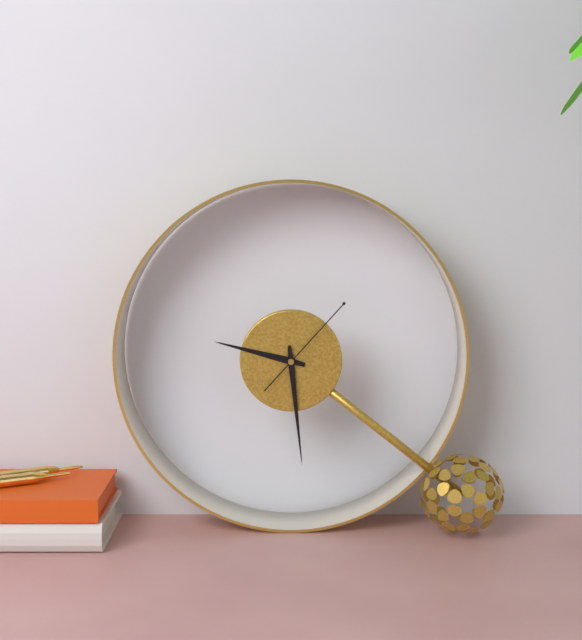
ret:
9,29,07
